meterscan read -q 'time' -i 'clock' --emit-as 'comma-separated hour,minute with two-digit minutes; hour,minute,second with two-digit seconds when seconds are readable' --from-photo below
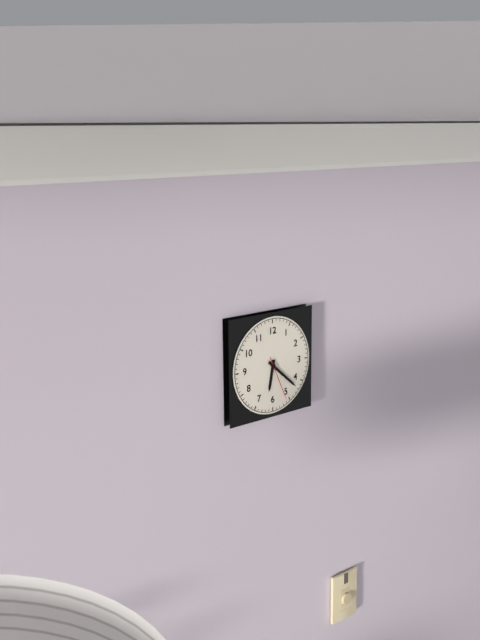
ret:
6,22
